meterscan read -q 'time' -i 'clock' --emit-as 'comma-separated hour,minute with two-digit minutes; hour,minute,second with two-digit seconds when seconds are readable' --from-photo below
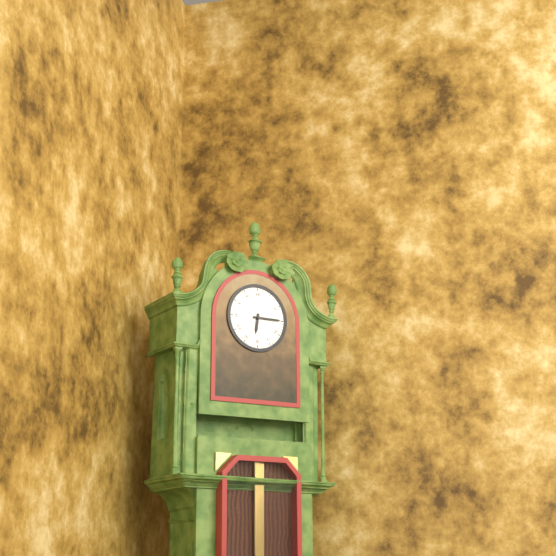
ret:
6,15
